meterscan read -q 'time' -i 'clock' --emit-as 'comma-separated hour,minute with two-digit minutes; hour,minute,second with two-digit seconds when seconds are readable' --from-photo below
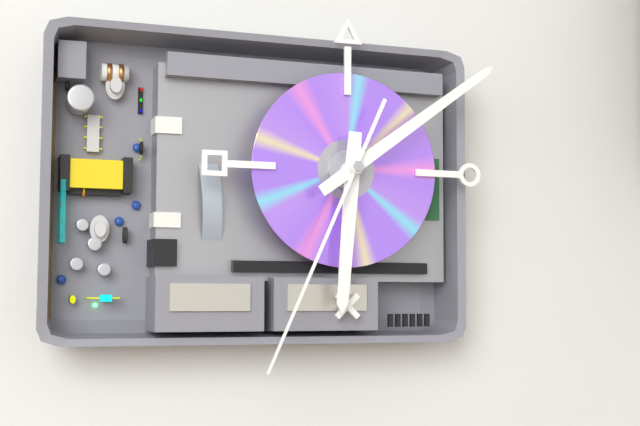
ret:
6,09,34
